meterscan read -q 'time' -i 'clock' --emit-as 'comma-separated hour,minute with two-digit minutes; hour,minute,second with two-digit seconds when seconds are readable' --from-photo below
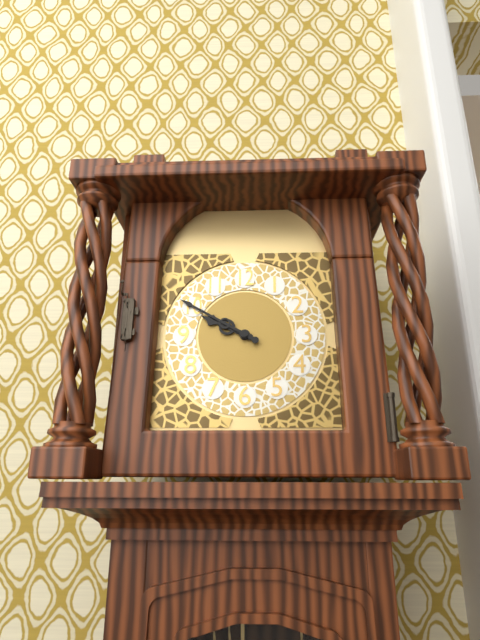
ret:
9,50
